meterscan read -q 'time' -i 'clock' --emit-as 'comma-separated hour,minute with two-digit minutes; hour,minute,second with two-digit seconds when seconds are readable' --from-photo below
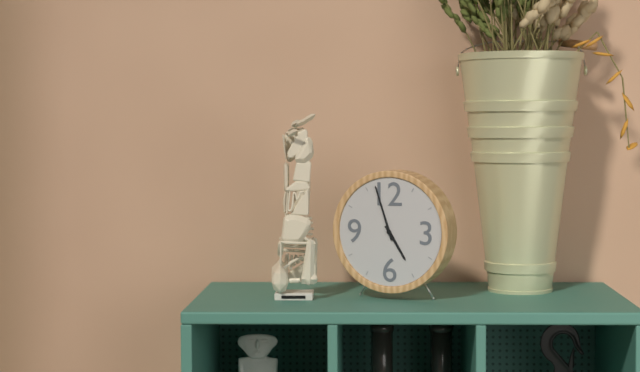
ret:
4,57
